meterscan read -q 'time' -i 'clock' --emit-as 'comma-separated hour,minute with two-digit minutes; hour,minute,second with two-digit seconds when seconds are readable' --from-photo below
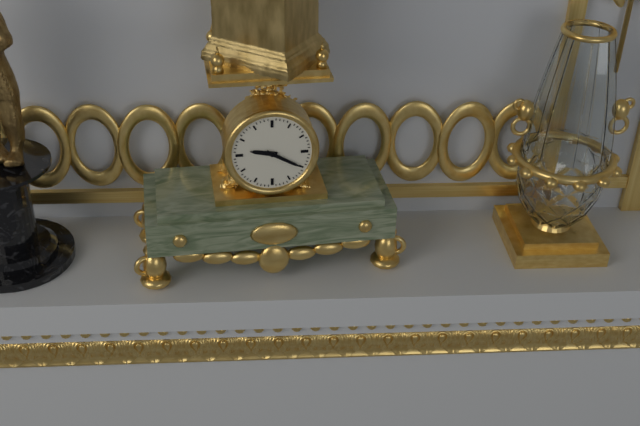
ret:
9,20
